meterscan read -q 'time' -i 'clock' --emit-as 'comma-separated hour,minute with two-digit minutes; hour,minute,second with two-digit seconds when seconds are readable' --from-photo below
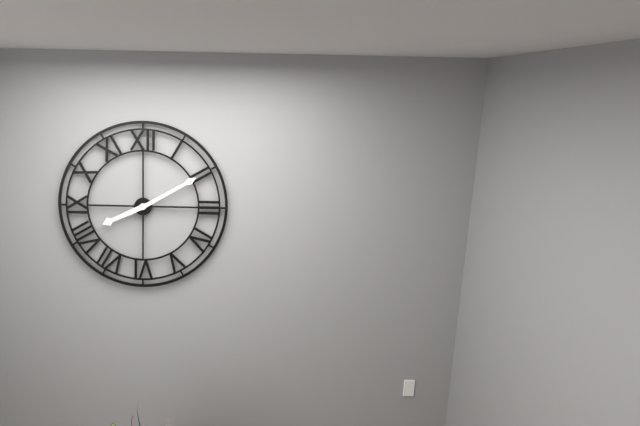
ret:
8,10
